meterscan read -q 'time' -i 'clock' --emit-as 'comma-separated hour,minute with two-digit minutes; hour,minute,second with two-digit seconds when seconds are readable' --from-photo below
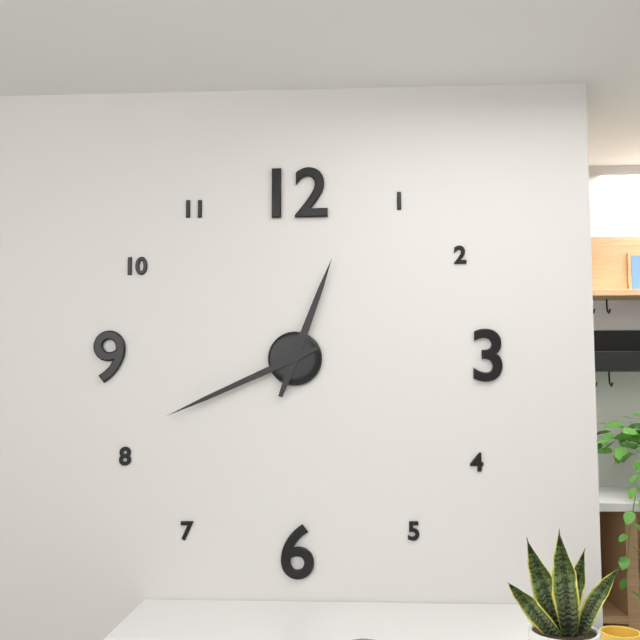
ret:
12,41
